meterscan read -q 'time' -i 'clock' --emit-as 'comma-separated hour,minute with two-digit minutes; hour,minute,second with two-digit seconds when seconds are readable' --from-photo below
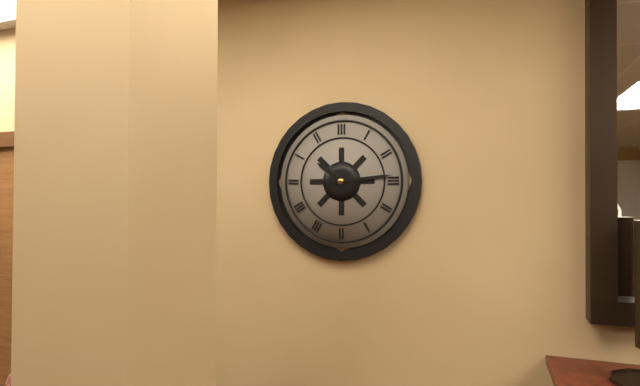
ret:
10,14
